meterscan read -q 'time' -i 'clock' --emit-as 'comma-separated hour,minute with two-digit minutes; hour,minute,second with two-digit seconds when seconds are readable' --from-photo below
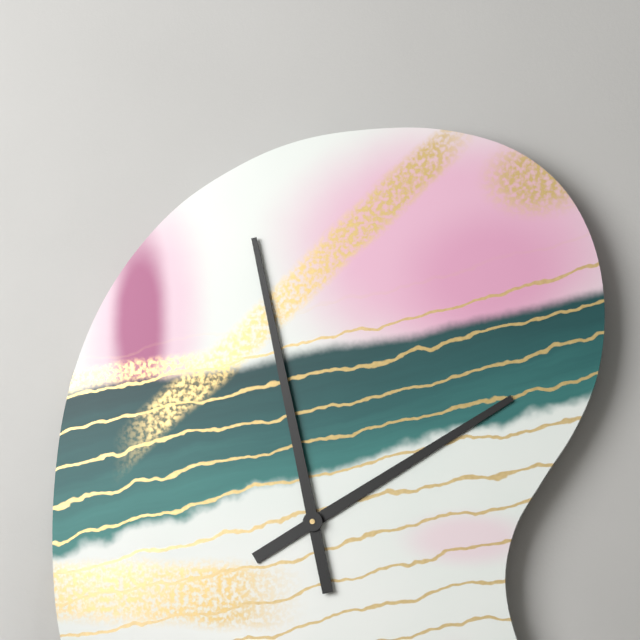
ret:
1,58
